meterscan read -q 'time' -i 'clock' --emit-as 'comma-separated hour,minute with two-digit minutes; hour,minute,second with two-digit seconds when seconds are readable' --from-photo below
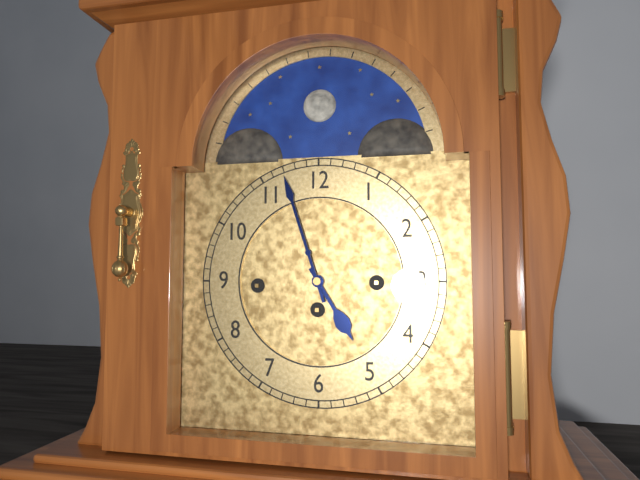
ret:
4,57
